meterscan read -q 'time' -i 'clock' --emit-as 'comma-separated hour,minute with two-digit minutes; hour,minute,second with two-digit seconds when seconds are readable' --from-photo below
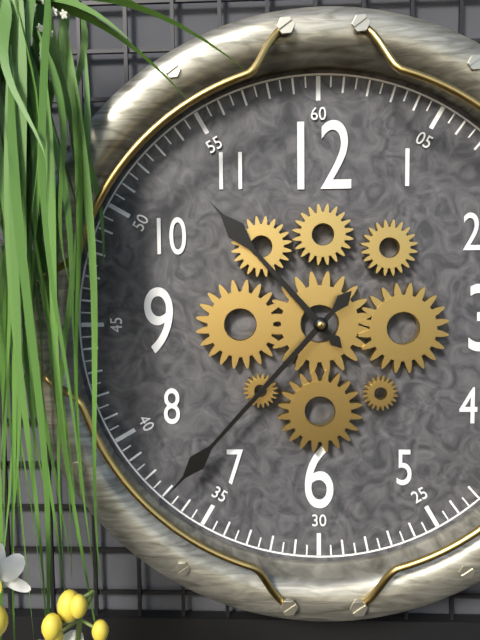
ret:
10,37
